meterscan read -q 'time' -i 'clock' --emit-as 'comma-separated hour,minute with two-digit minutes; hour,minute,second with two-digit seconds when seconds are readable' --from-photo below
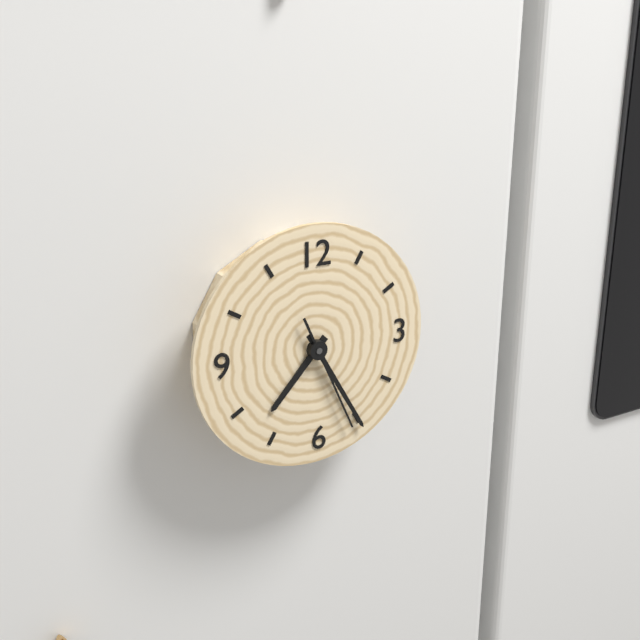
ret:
7,25,26
